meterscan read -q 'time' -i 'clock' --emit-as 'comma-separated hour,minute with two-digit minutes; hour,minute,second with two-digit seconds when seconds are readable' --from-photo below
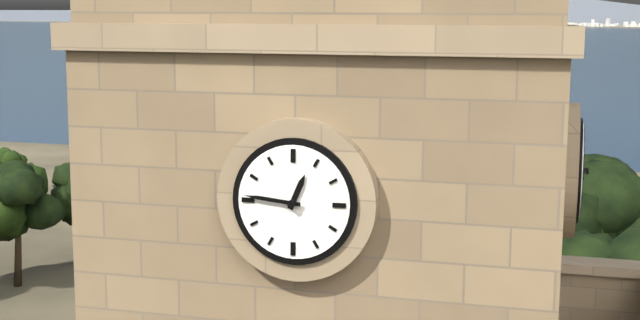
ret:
12,46
